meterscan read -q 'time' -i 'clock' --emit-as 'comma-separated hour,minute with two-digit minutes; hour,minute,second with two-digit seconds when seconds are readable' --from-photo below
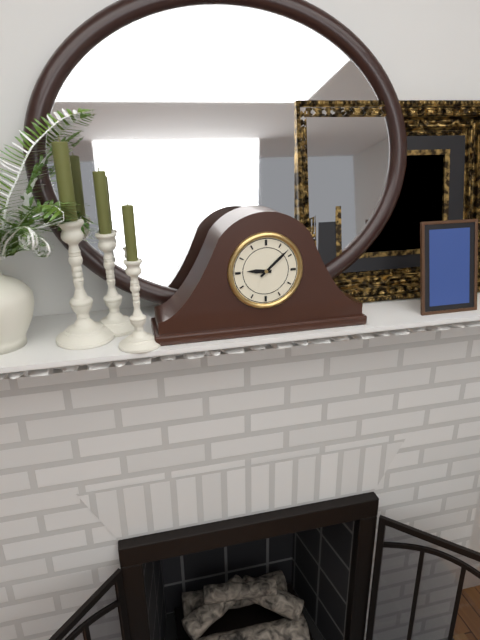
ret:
9,08
